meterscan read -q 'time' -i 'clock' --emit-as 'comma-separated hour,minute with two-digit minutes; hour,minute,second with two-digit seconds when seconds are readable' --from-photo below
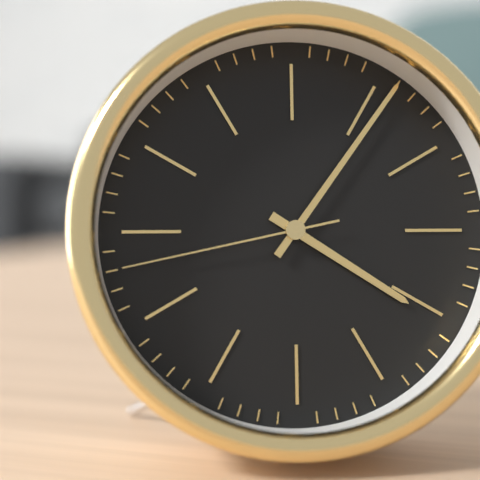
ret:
4,06,43
